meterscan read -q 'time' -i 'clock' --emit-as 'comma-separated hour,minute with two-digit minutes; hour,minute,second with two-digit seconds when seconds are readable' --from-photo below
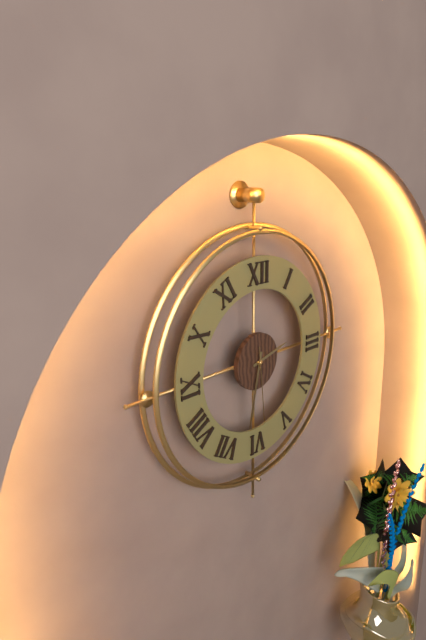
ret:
2,32,29
